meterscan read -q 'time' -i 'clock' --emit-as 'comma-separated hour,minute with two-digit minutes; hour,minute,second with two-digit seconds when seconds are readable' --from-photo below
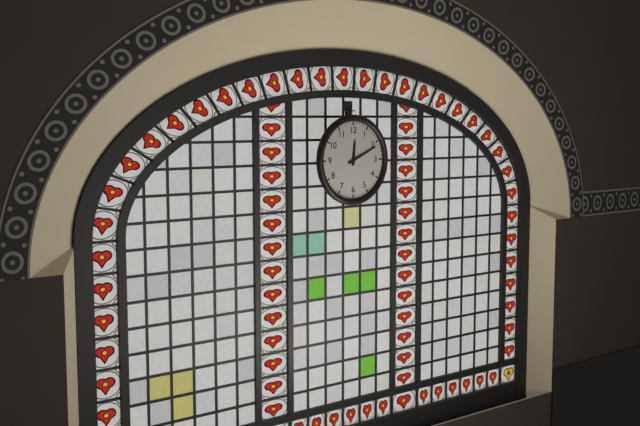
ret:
12,11
